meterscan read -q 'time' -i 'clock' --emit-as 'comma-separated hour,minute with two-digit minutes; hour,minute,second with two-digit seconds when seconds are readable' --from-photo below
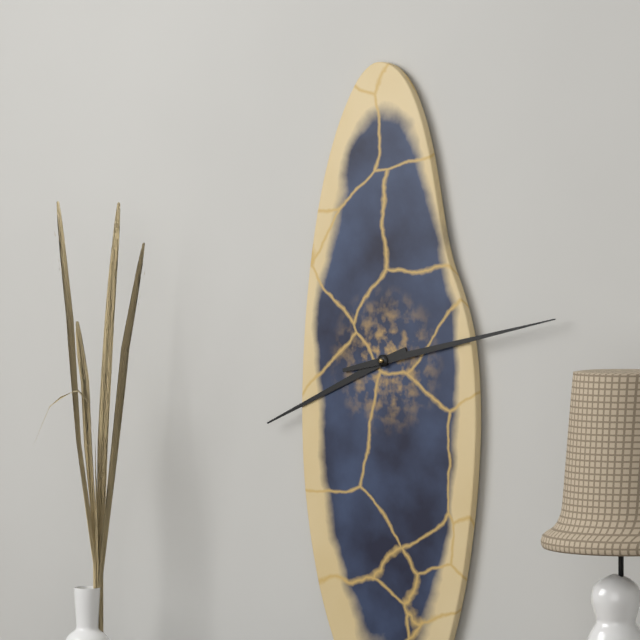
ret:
8,13
